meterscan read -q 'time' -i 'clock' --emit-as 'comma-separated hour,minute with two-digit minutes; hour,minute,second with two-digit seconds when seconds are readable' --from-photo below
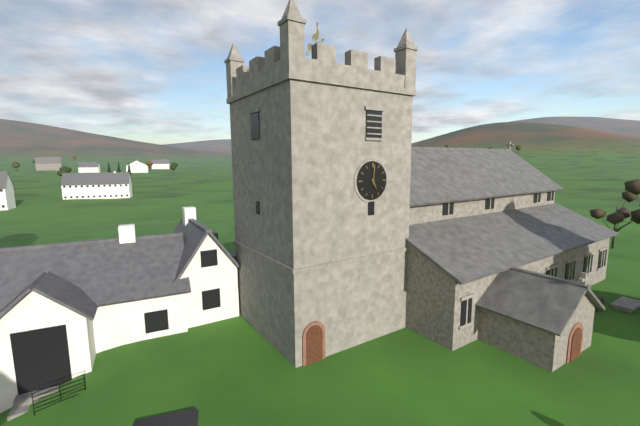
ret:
5,01
